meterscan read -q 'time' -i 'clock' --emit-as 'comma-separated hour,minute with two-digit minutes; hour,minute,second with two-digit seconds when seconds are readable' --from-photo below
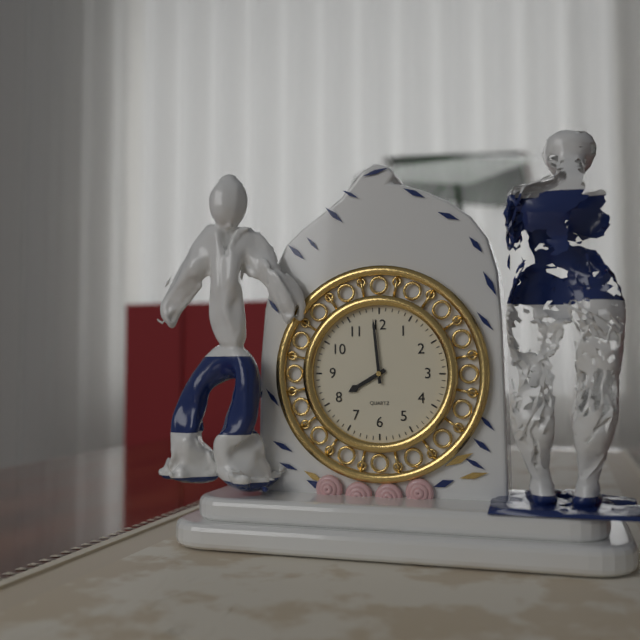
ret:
7,59
